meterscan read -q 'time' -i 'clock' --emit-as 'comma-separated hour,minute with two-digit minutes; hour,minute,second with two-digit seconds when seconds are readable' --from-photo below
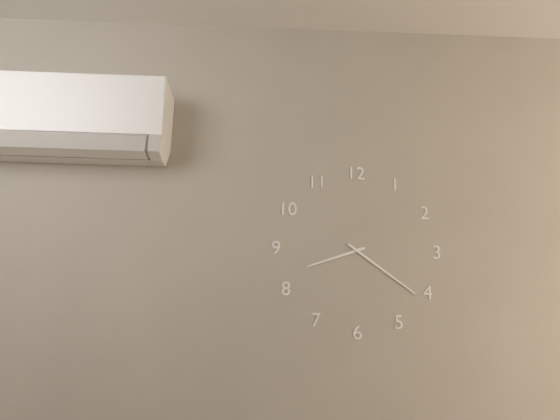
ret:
8,21
